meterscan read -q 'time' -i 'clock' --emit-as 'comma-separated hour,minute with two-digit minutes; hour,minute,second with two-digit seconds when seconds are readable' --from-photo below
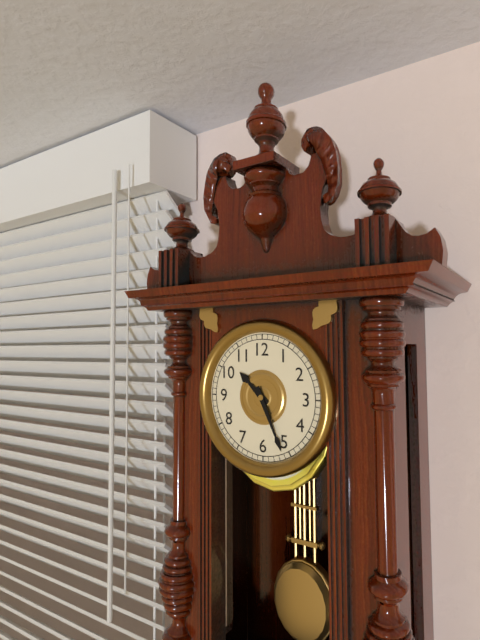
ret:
10,26
